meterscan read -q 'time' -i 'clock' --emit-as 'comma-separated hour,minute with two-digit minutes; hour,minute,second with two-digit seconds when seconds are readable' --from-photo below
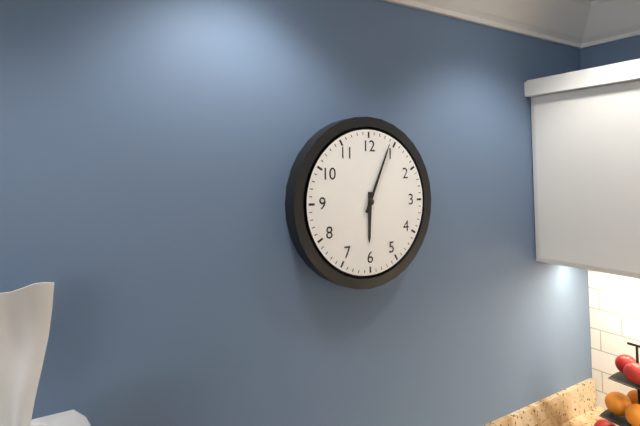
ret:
6,04
